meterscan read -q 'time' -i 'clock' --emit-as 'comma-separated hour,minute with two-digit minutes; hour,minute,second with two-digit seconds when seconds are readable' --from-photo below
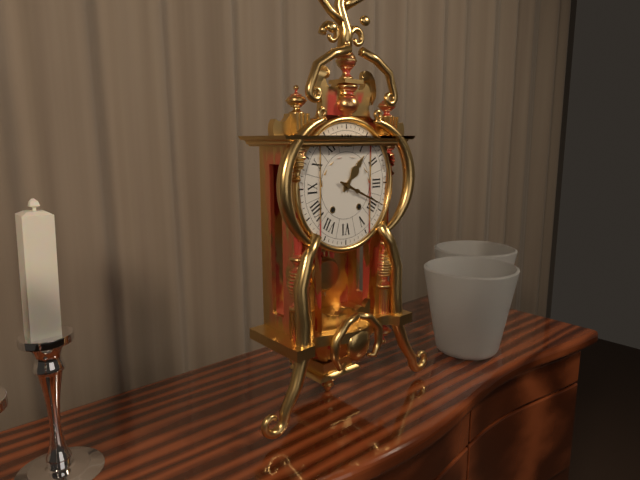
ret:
1,19
